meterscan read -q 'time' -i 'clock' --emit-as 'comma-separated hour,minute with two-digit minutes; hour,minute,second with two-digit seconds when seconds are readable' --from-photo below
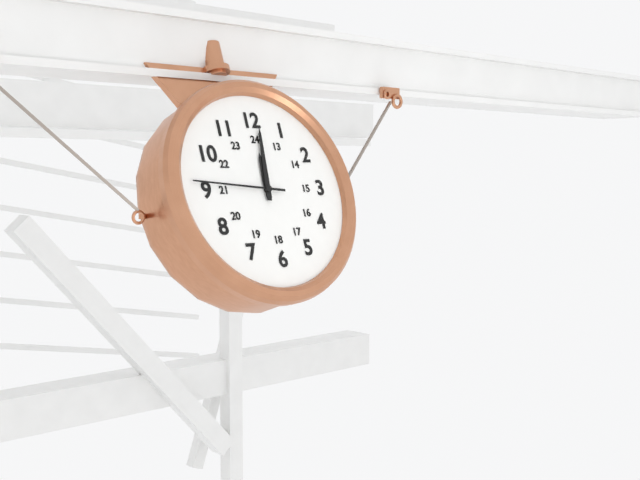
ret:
12,01,46
